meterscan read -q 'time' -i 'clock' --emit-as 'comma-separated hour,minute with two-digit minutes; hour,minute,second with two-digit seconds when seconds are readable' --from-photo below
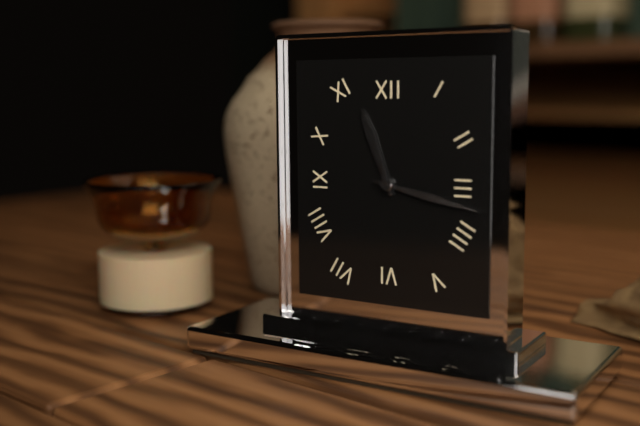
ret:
11,17
